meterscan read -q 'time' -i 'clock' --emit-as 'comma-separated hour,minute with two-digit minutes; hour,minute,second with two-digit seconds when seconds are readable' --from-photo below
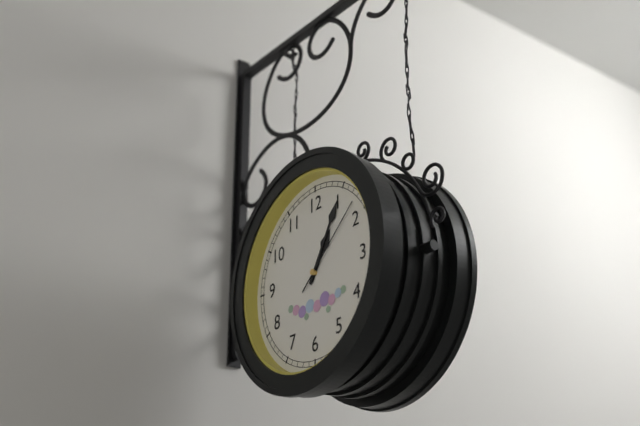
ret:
1,05,08
